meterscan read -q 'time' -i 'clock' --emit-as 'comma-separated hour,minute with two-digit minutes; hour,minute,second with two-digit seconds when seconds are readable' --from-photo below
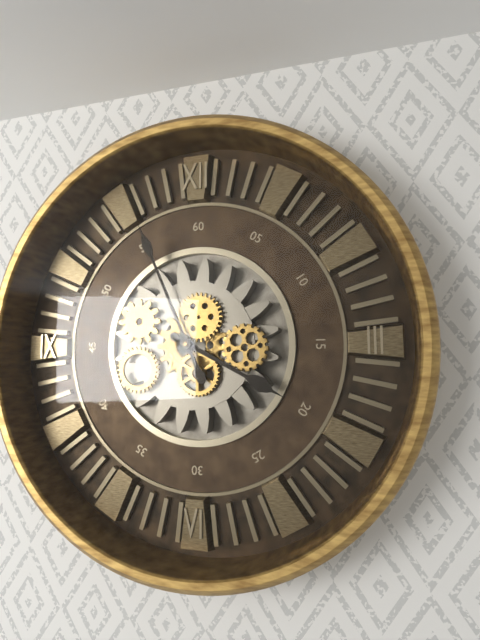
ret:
3,56
